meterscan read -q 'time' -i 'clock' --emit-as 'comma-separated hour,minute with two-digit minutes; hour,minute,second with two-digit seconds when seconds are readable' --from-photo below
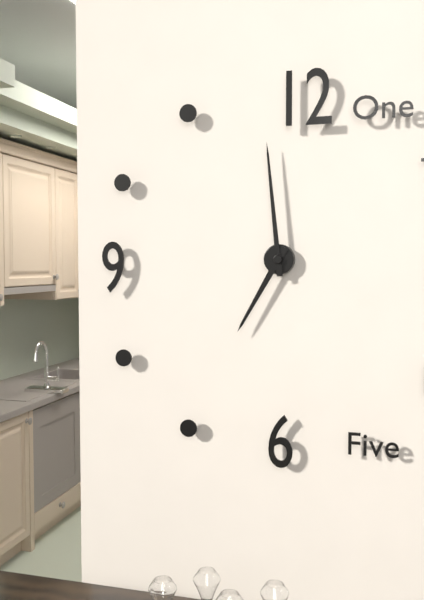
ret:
6,59
